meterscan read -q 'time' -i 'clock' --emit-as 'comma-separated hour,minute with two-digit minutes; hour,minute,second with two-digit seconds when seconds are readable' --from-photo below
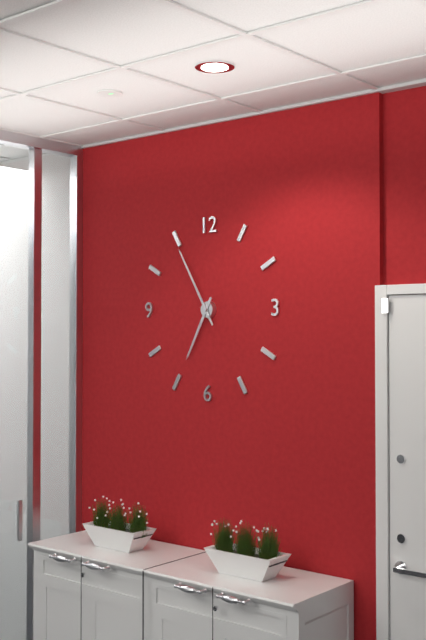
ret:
6,55
